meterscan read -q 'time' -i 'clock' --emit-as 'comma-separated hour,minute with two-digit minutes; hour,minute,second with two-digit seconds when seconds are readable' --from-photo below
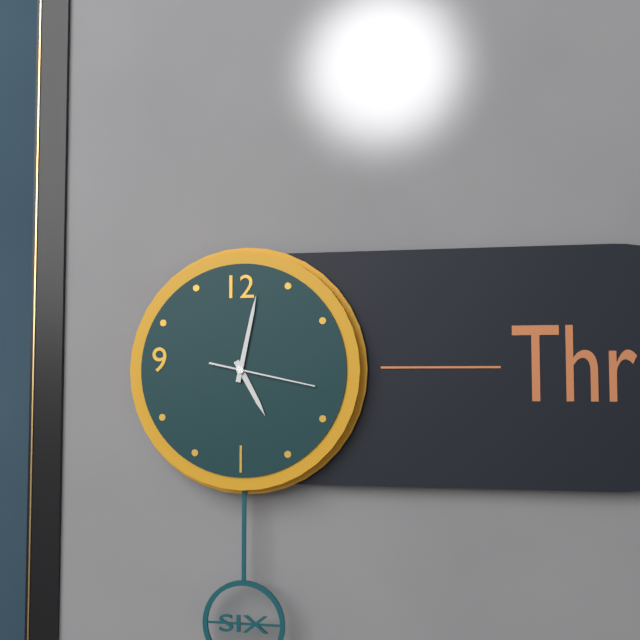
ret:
5,02,17
